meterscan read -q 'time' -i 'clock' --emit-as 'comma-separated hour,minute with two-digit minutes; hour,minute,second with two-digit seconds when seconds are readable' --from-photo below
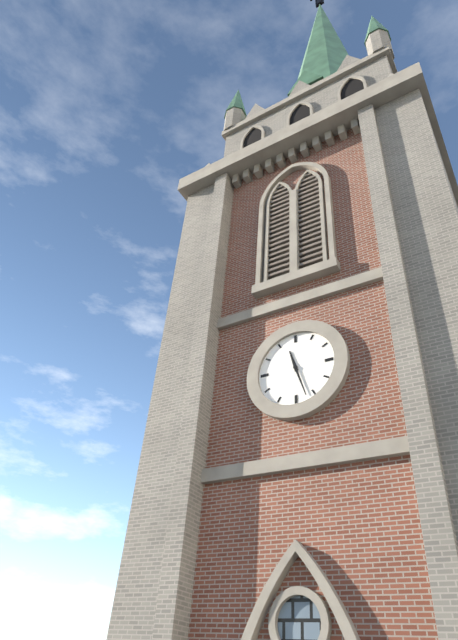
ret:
11,27
